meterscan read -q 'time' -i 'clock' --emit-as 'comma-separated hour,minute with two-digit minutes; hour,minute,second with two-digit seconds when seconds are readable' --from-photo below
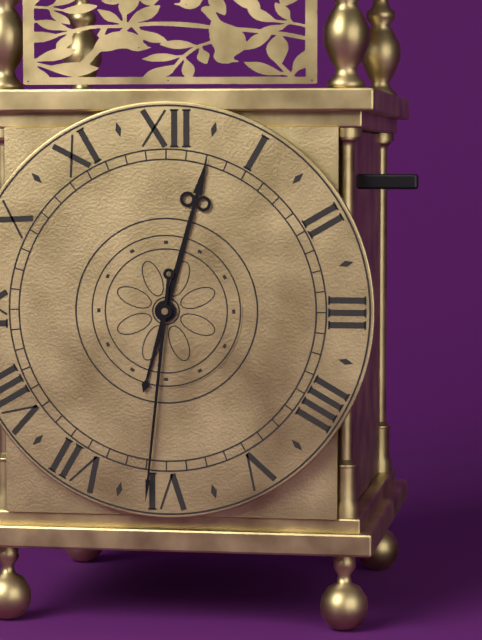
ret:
12,31
